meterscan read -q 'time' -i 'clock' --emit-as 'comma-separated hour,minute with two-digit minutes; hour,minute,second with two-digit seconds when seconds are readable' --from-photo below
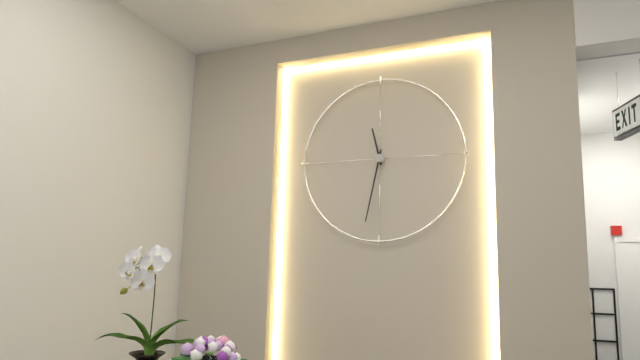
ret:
11,32
